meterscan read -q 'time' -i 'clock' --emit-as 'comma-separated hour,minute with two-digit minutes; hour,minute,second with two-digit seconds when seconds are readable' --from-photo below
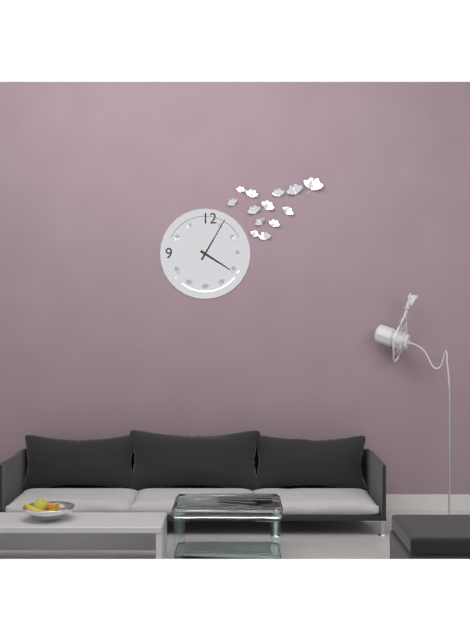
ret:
4,05
